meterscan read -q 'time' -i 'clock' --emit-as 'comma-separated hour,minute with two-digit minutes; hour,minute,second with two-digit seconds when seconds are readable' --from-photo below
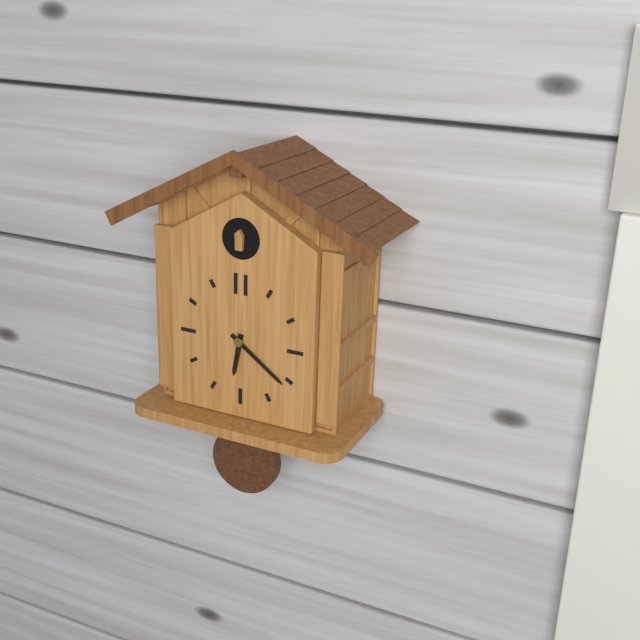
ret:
6,21
